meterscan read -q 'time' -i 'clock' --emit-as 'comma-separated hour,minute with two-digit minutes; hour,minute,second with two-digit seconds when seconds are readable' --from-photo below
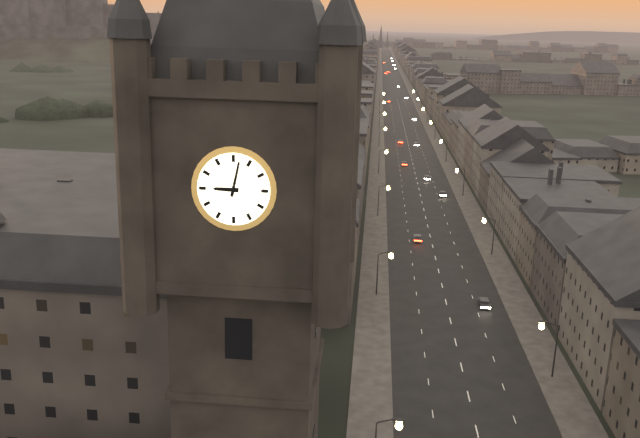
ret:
9,02
